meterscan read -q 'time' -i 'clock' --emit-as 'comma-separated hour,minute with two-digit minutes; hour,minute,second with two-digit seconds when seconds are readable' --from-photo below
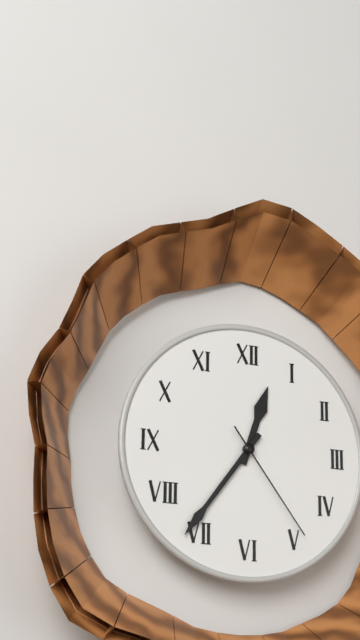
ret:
12,36,24
